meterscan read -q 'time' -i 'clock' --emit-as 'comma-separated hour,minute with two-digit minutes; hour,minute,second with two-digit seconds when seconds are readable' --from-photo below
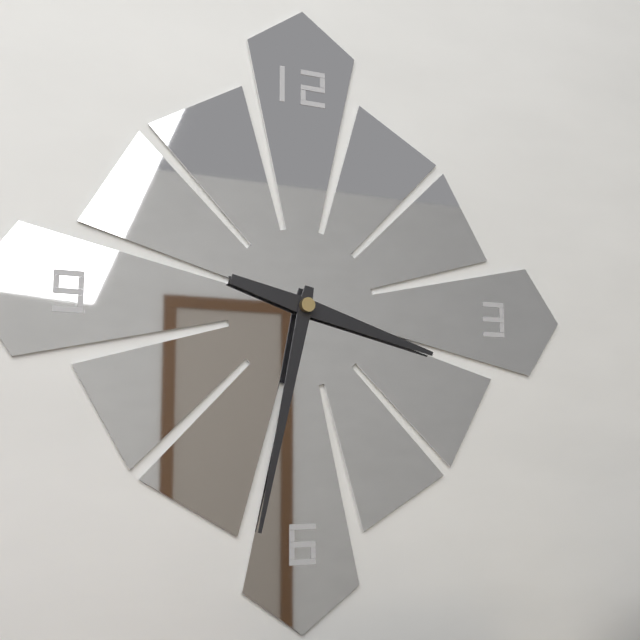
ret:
3,32
